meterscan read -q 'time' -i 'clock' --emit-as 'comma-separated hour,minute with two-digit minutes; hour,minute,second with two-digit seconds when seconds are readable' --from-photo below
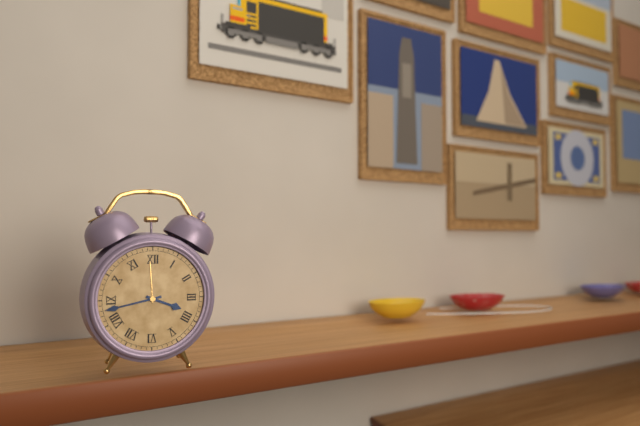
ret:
3,43
